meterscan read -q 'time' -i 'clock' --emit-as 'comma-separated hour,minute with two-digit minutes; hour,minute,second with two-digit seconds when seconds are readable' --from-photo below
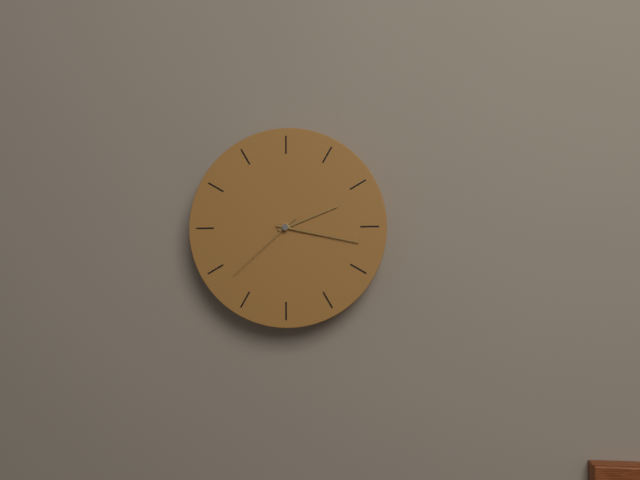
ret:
2,17,38
